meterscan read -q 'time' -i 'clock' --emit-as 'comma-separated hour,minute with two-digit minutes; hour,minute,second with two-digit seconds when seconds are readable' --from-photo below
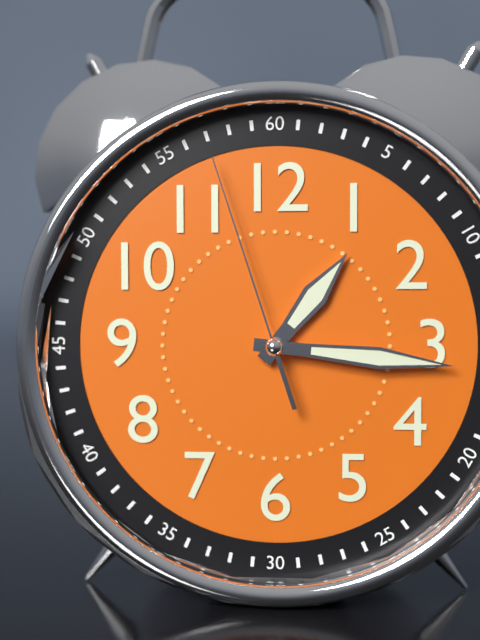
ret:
1,16,57
